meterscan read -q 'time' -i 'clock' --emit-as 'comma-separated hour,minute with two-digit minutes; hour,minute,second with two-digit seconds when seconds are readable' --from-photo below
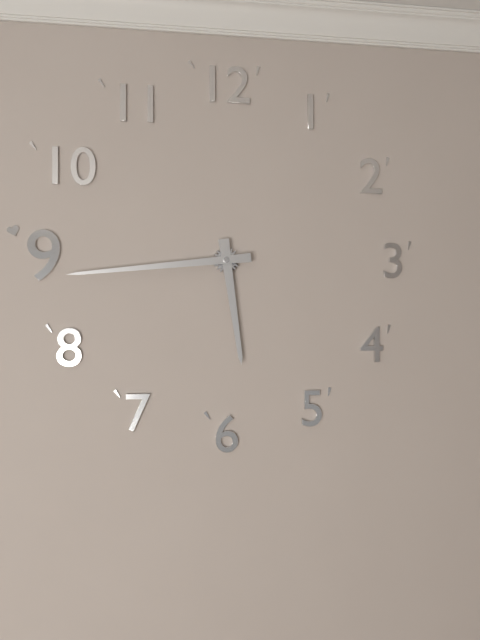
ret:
5,44
